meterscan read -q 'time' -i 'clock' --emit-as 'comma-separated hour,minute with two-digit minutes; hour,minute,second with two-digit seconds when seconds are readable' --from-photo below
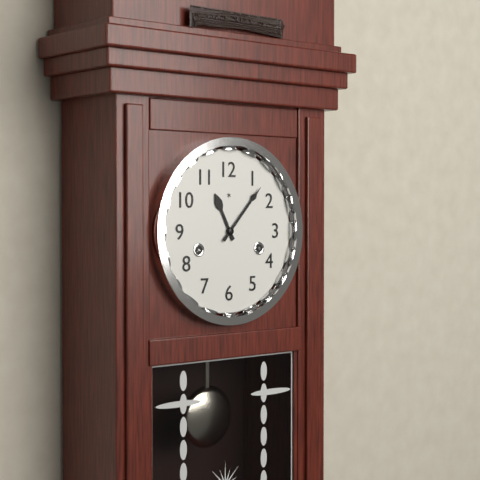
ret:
11,07
